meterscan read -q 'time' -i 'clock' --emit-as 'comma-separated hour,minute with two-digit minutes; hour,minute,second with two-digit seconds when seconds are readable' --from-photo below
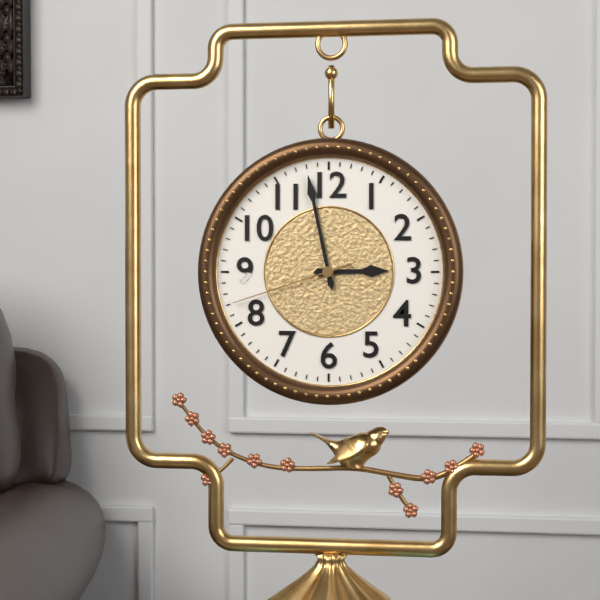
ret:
2,58,42
